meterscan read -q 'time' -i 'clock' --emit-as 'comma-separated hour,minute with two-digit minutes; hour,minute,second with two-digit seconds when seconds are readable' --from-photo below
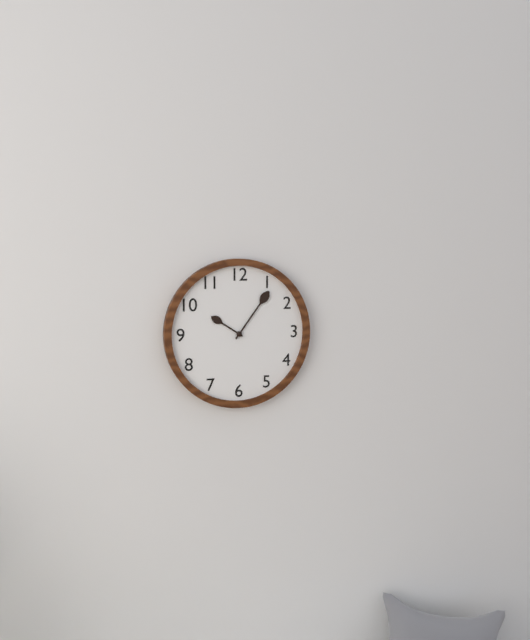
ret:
10,06
